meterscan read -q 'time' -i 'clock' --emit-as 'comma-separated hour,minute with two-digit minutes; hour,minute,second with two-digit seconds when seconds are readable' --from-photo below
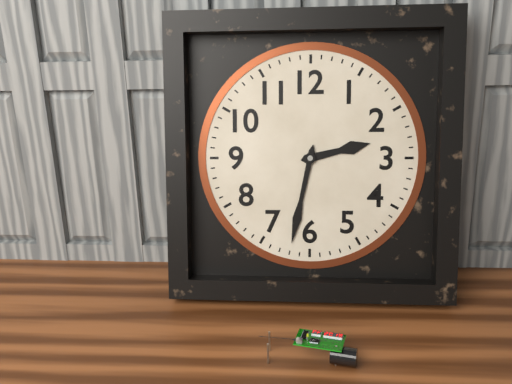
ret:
2,32
